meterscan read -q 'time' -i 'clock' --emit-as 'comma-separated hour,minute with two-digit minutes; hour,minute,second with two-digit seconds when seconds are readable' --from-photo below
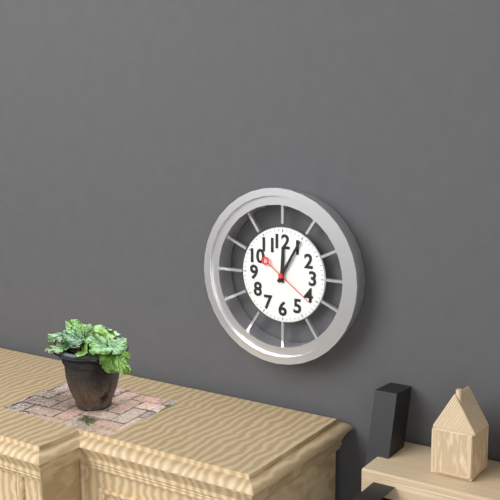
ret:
12,05
